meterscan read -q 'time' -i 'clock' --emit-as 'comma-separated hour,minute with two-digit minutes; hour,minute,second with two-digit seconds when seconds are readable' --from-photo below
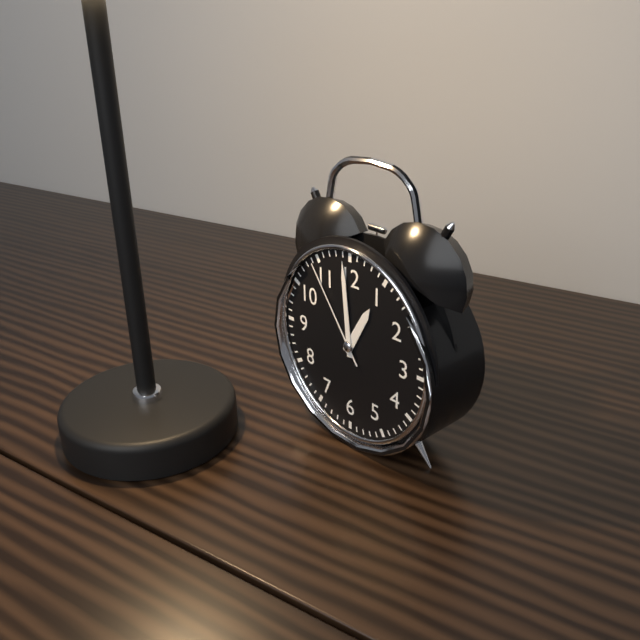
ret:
12,59,54
